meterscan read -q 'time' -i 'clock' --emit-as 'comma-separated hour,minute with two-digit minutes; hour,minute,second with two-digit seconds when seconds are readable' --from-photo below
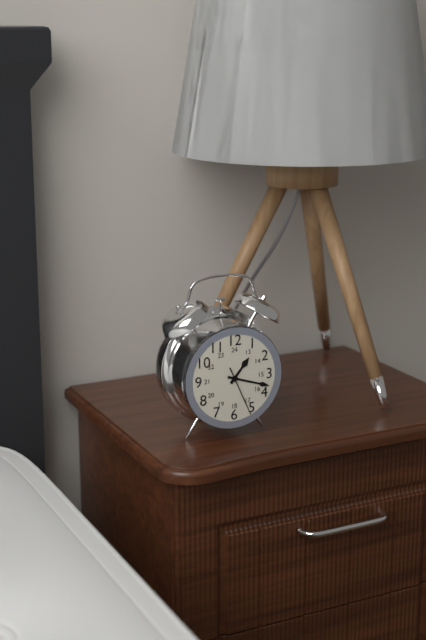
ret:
1,18
